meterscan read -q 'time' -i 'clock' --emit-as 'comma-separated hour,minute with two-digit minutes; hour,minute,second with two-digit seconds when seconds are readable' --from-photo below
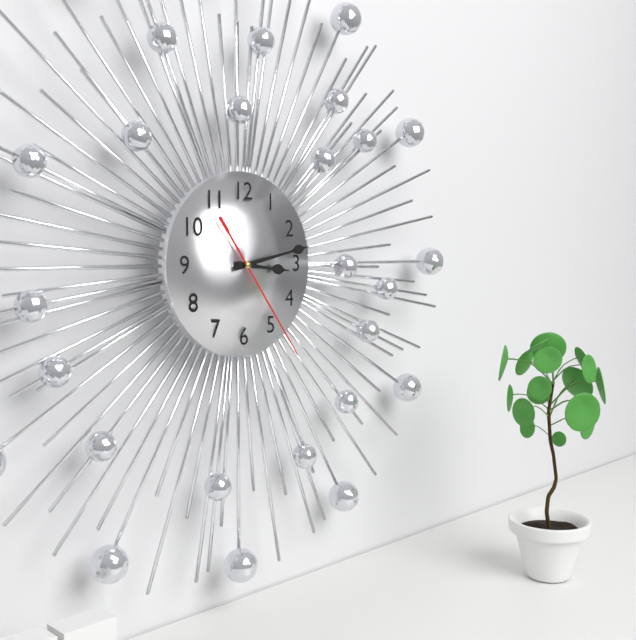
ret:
3,13,24
